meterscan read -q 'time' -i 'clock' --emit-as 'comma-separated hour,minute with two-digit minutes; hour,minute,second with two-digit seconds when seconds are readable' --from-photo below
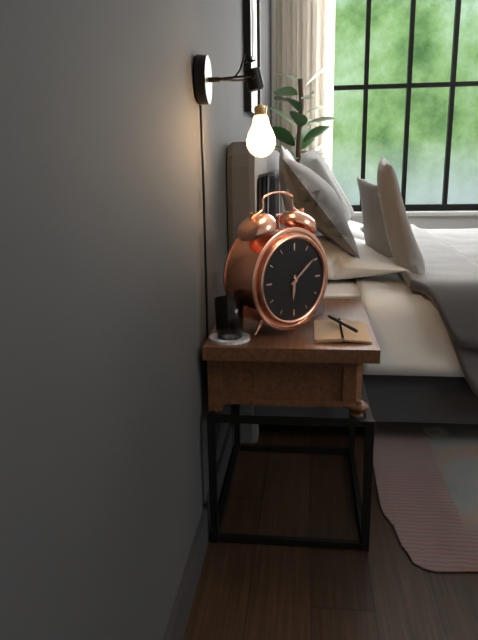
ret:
6,09
